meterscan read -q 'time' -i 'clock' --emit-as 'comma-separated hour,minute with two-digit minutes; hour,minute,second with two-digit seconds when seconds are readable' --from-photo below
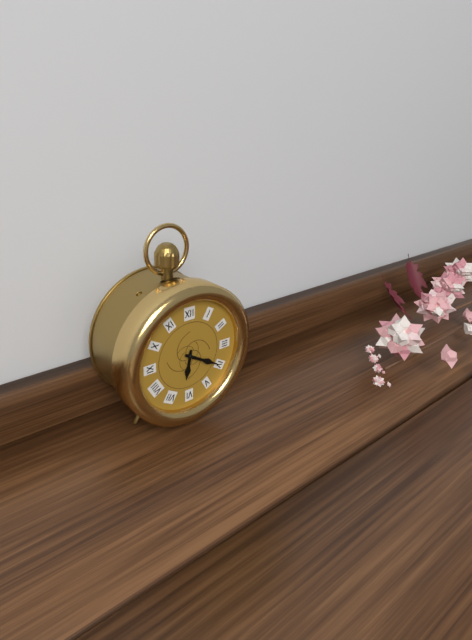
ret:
6,20
